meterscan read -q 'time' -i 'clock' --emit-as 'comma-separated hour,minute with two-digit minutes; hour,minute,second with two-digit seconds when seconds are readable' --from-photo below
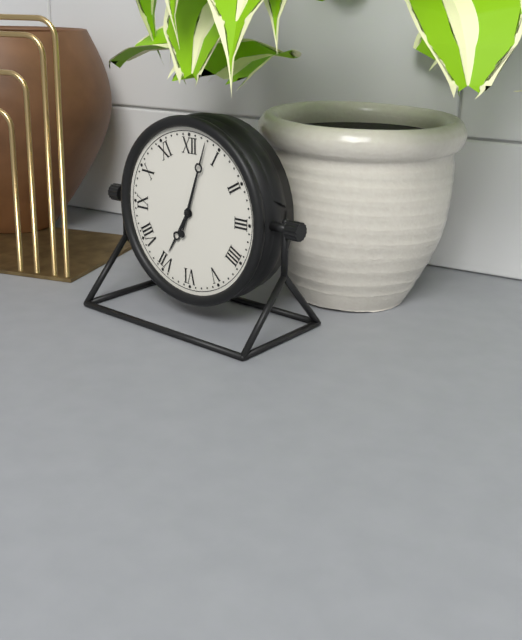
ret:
7,03
